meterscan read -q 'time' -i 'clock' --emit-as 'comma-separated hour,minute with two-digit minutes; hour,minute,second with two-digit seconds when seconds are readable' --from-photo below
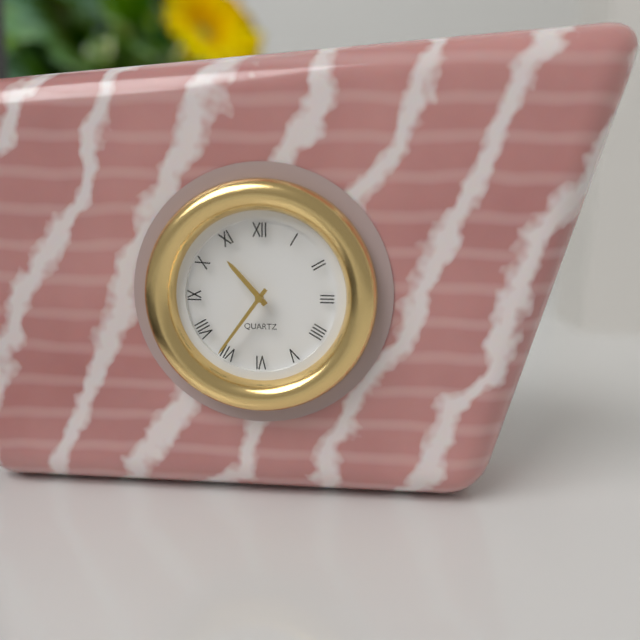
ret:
10,36
